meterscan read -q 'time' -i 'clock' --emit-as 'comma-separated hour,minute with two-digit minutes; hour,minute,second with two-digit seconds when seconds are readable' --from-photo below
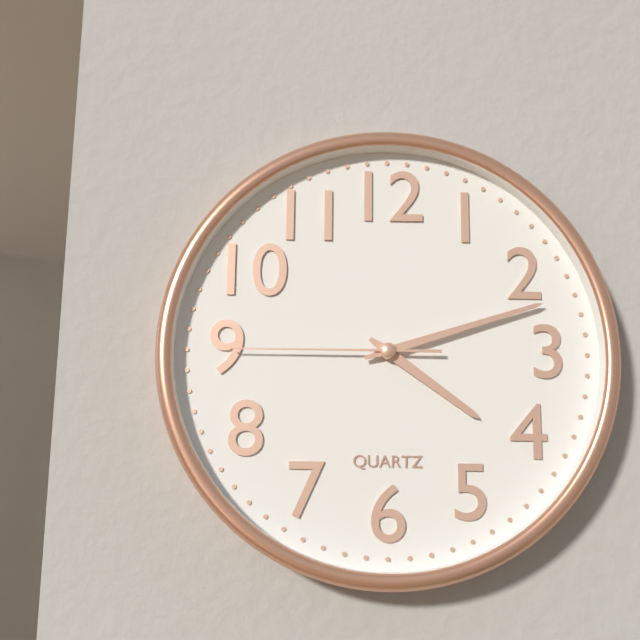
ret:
4,12,45
